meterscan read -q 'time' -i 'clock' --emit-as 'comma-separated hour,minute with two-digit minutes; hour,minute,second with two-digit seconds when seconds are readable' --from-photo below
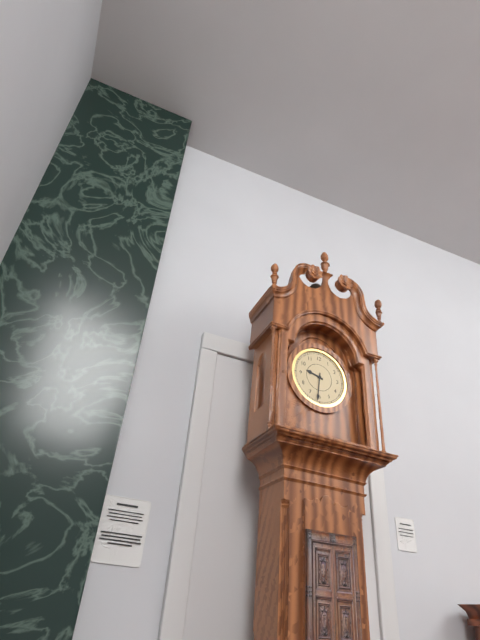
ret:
9,31
